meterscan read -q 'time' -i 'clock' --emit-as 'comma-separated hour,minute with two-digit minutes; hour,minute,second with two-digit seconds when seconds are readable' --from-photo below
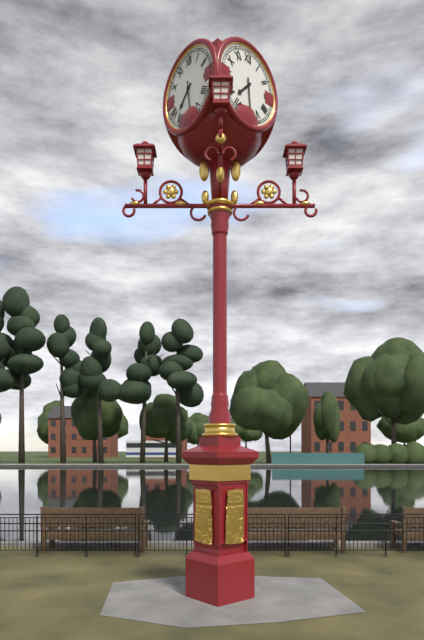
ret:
7,29
